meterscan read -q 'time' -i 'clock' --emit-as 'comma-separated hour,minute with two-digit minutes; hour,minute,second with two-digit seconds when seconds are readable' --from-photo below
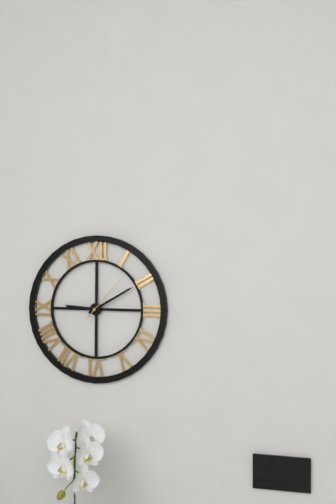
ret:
9,10,07
